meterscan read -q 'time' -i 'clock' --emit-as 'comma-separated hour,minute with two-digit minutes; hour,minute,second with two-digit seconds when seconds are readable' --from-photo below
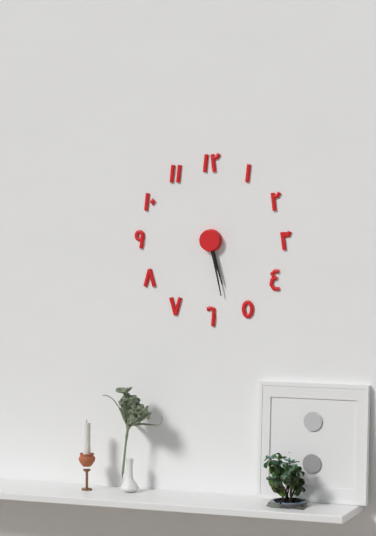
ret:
5,28
